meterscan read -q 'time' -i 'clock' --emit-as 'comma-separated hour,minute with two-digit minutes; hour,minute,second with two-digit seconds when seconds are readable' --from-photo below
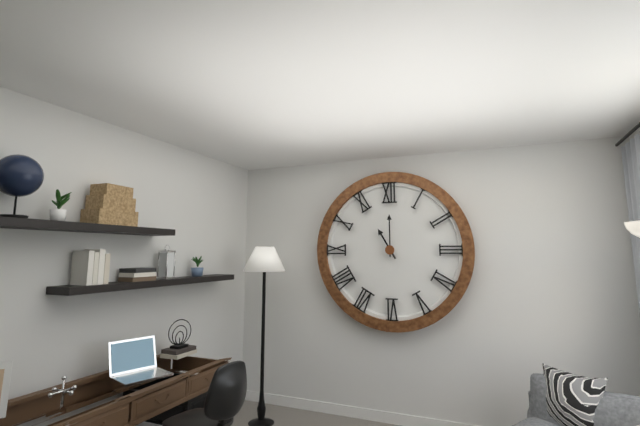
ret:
11,00
